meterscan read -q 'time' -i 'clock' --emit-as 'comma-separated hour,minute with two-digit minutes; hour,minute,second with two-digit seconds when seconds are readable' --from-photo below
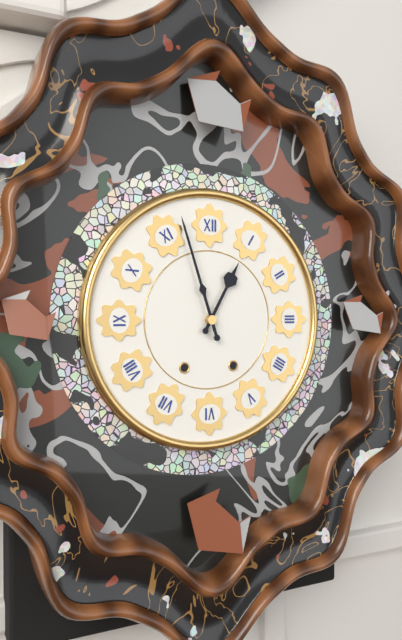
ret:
12,57
